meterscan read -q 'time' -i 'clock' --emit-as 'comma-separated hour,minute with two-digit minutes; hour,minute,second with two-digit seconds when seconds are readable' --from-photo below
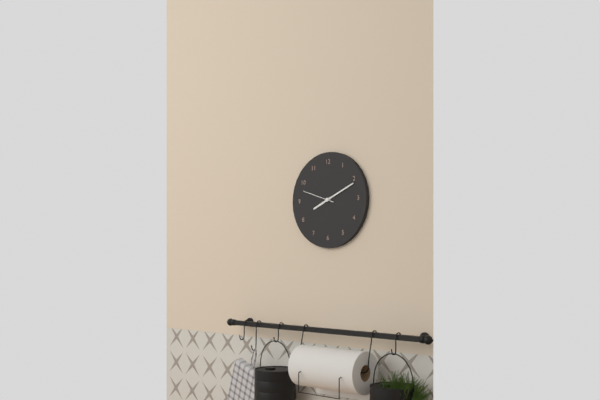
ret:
8,11
